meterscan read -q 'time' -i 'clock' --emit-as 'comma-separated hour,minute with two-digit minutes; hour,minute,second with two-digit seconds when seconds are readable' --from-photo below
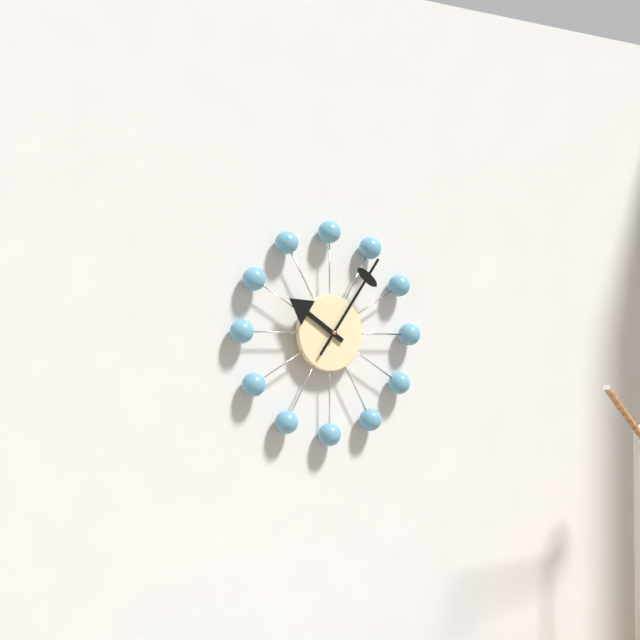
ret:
10,06
